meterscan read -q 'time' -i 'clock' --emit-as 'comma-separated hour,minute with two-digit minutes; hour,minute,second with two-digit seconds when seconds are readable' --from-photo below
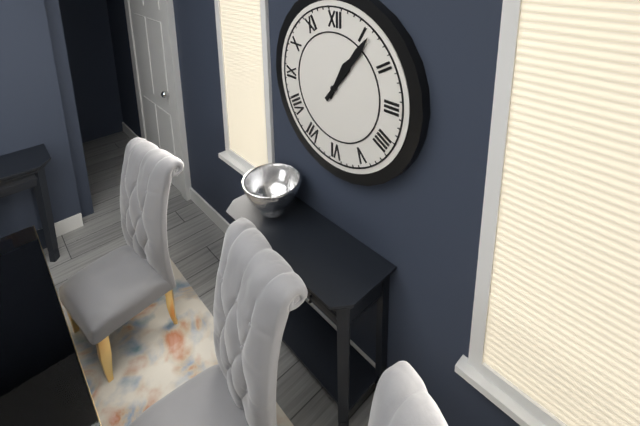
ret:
1,06
